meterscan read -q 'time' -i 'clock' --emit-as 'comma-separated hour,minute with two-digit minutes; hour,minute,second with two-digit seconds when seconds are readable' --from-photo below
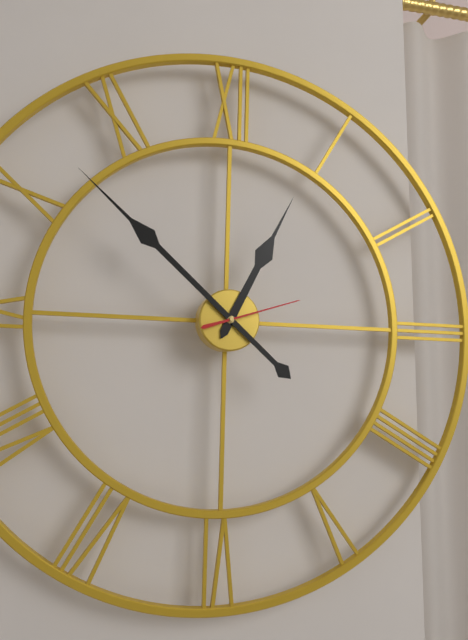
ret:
12,52,12
